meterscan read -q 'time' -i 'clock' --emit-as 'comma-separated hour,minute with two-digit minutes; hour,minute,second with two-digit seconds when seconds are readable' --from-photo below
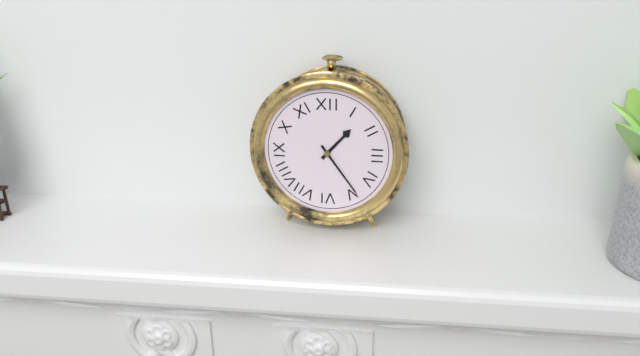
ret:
1,24
